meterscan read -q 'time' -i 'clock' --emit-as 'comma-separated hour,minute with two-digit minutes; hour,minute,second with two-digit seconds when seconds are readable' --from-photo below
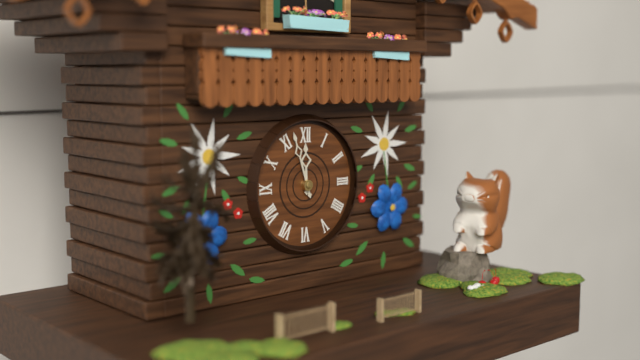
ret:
11,57
